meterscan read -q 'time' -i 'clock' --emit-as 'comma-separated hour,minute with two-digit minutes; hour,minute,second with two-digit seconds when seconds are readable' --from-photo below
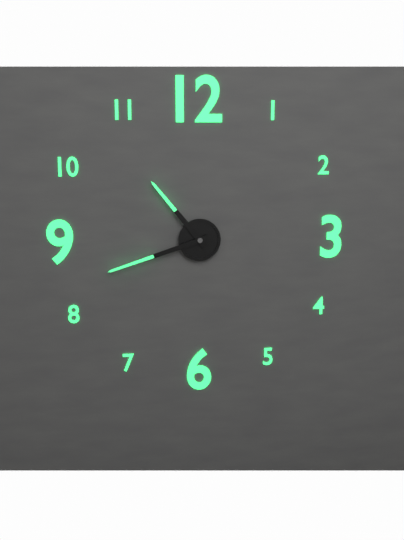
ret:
10,42
